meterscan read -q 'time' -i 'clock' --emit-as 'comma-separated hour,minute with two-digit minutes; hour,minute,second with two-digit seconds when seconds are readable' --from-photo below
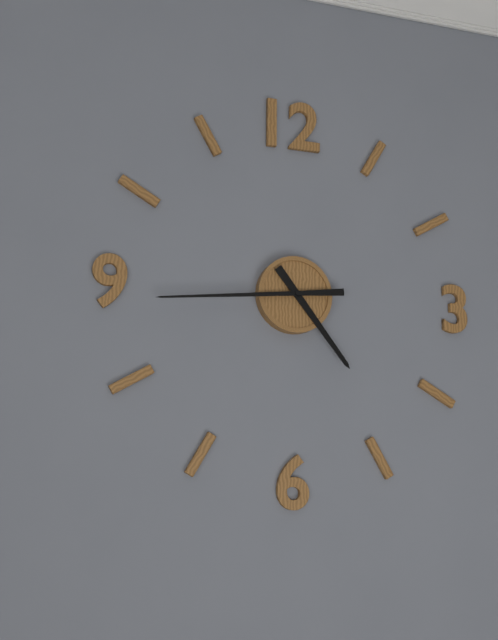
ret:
4,44
